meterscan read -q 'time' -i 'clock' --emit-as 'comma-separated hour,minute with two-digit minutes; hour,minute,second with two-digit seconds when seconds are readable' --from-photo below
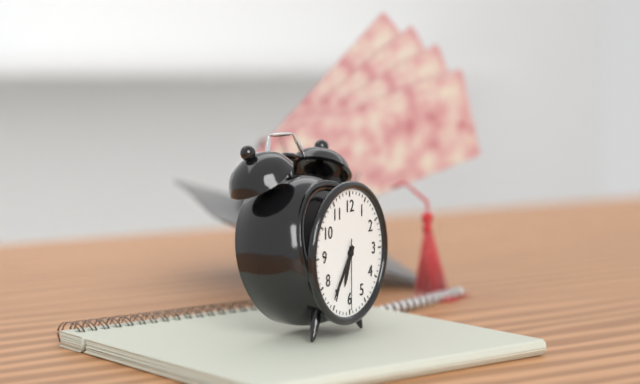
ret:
6,36,30
